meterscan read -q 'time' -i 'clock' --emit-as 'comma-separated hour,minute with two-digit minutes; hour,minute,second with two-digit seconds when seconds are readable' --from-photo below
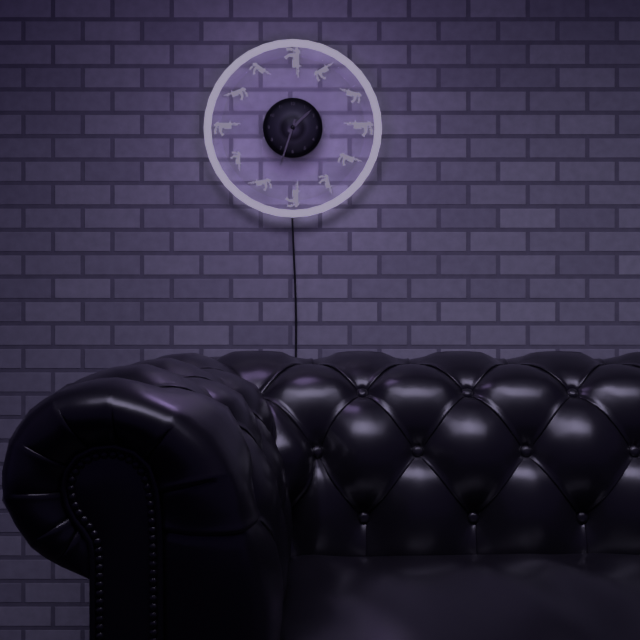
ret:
1,33
